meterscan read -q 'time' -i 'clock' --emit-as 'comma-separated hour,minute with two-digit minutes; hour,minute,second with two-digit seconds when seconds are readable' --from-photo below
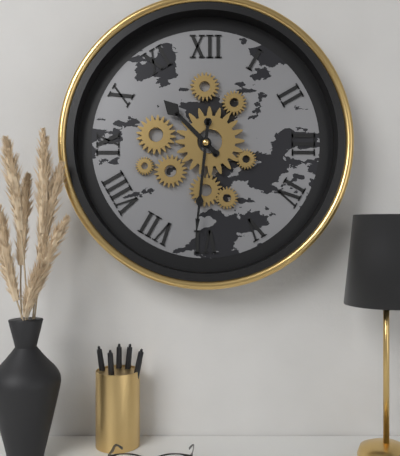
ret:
10,31
